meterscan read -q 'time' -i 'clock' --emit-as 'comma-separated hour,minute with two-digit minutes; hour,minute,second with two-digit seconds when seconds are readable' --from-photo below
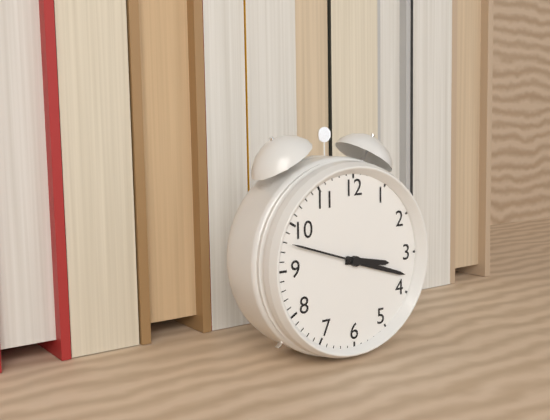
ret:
3,18,48
